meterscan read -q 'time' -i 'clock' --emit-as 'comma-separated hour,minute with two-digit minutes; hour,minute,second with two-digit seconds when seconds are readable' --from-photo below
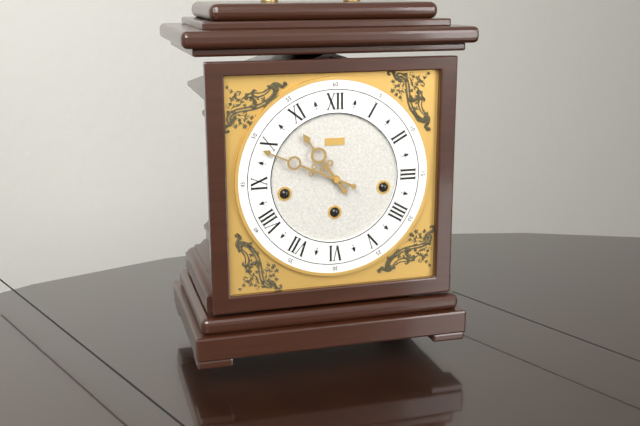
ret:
10,49
